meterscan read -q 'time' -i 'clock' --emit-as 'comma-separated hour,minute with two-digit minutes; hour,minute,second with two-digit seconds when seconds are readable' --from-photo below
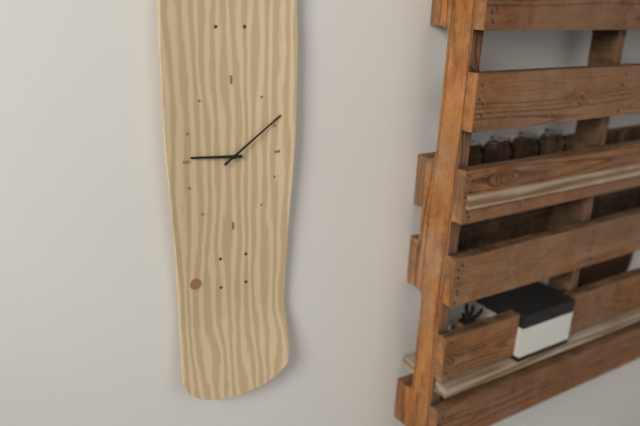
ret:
9,09
